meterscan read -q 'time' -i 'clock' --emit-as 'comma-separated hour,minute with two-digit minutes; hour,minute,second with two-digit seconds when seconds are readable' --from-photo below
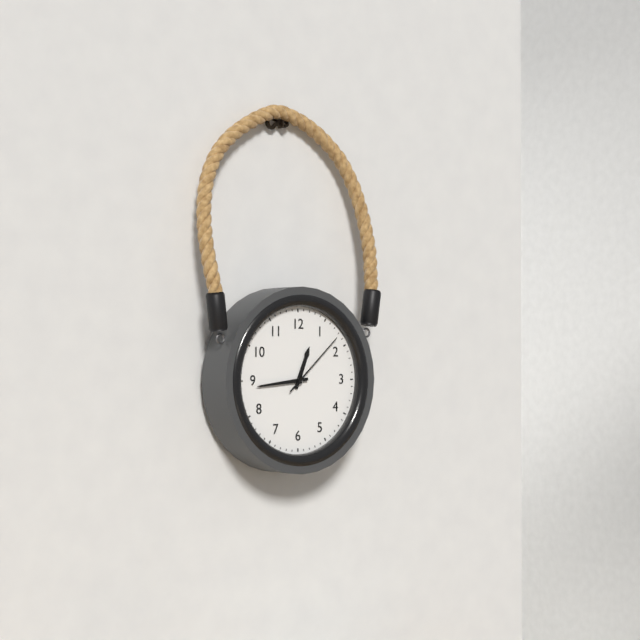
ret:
12,44,08
